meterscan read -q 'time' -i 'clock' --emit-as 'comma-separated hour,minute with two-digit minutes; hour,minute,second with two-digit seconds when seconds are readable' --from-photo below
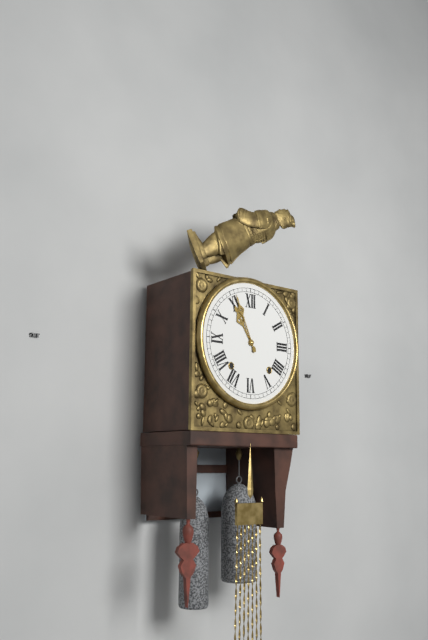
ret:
10,56
